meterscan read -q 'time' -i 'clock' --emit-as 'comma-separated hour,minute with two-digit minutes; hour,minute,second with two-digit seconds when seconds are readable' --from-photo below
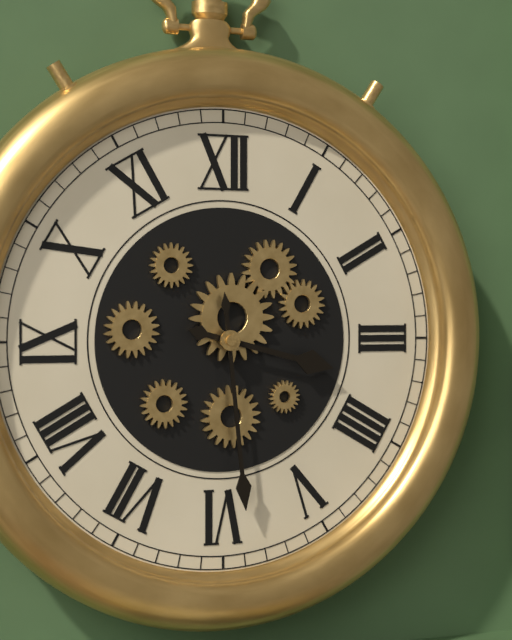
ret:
3,29
